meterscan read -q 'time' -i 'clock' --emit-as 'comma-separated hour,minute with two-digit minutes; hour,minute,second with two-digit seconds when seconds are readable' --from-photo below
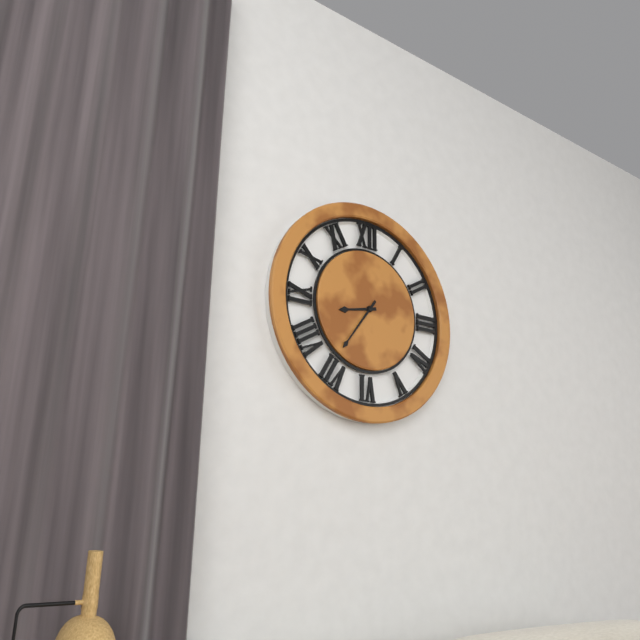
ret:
8,36
